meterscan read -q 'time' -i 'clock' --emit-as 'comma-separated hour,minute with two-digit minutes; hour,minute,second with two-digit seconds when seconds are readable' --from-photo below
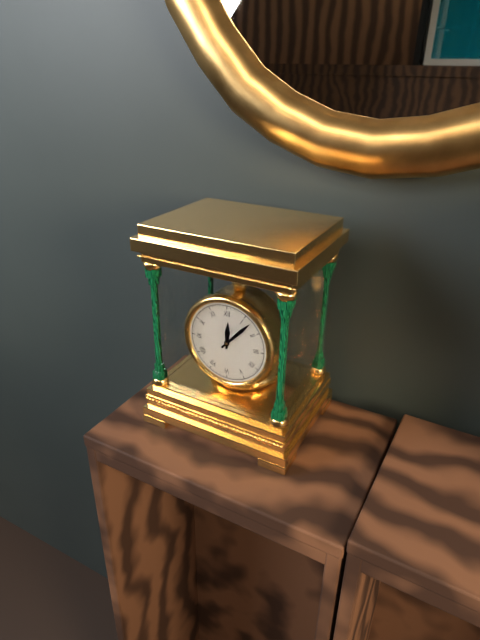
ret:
12,07
